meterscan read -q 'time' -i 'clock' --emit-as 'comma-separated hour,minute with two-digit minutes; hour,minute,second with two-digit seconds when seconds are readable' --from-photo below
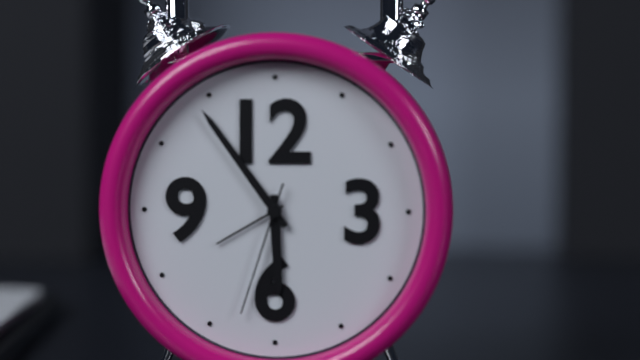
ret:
5,54,33
